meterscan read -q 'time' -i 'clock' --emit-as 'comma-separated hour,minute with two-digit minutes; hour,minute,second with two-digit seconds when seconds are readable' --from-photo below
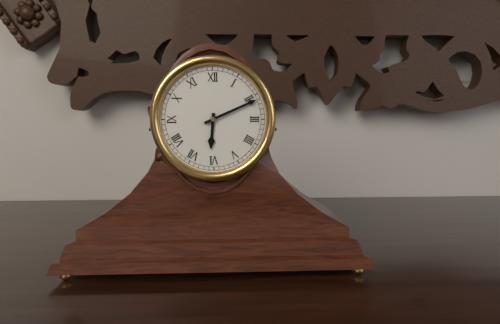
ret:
6,11
